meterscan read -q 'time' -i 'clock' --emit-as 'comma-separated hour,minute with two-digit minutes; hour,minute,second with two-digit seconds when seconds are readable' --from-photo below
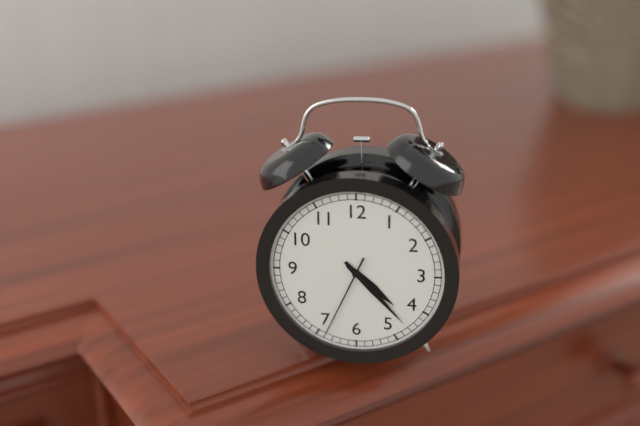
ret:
4,23,34
